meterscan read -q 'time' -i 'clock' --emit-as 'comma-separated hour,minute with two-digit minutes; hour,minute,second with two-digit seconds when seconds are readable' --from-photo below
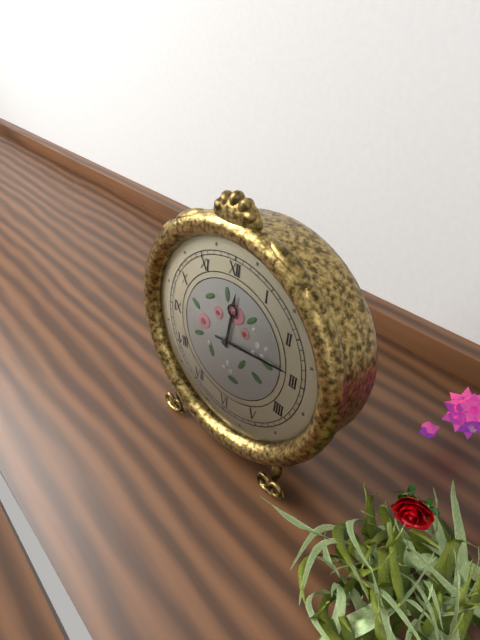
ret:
12,14
